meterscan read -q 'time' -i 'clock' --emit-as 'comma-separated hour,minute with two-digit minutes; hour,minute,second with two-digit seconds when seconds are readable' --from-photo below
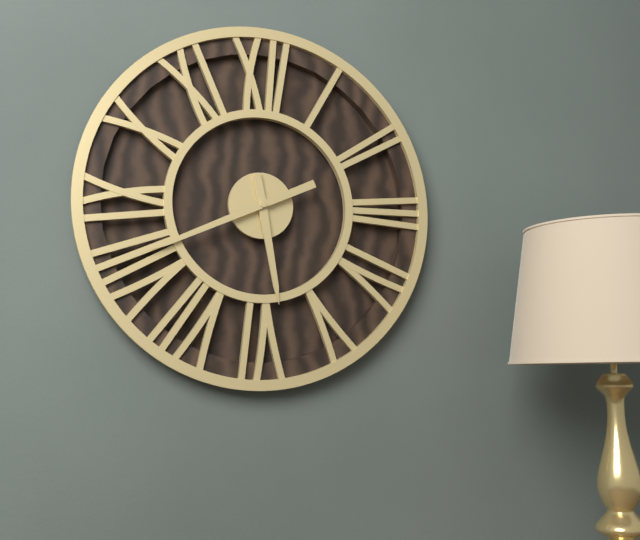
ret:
5,41
